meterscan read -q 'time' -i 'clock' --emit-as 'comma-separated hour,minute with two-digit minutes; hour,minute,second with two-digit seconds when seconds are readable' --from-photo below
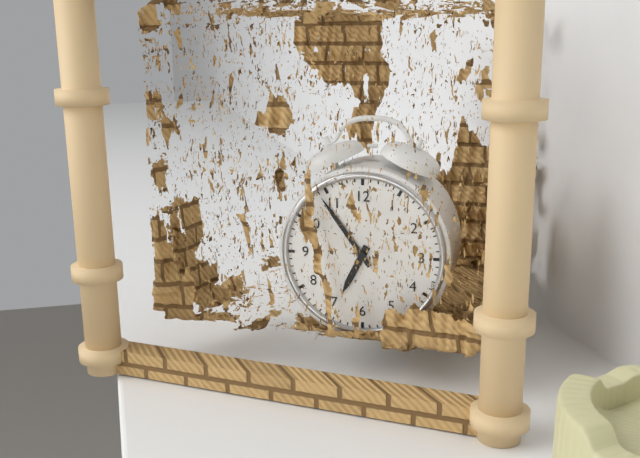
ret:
6,54
